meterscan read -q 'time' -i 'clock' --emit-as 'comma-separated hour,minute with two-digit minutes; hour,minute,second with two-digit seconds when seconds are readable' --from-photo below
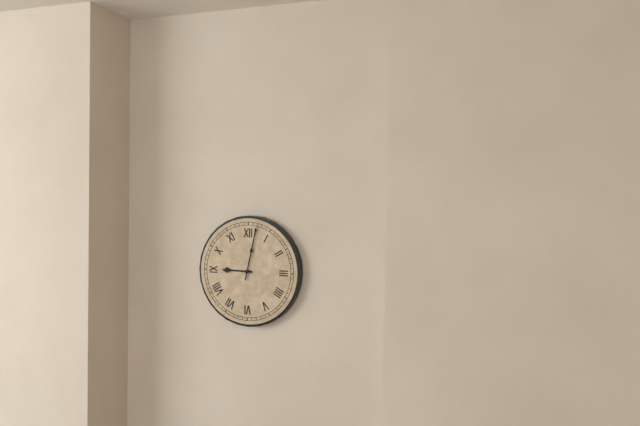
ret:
9,02
